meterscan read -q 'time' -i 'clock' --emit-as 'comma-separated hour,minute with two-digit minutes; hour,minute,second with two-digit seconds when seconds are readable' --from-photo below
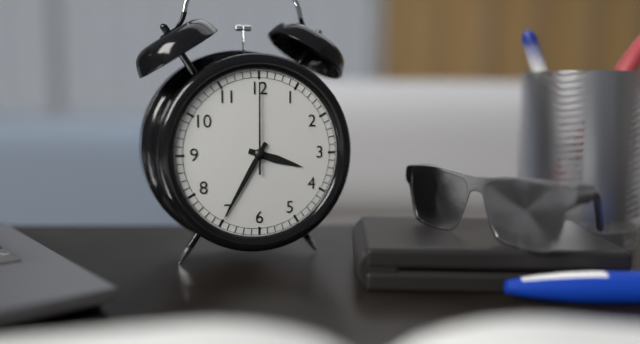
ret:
3,35,00
